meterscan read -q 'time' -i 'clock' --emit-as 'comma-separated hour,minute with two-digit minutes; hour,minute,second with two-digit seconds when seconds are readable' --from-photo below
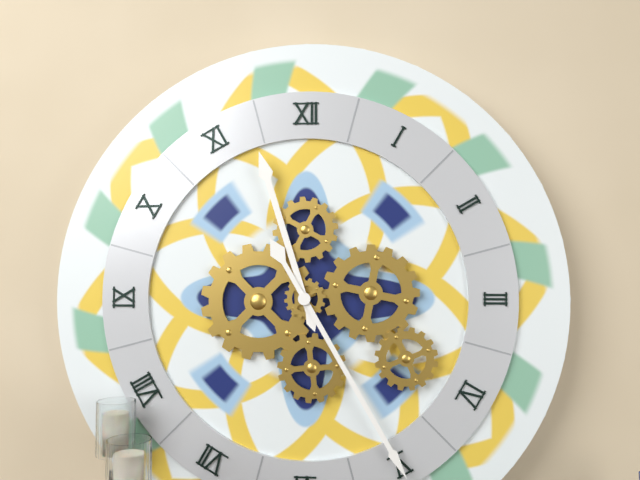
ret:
11,25
